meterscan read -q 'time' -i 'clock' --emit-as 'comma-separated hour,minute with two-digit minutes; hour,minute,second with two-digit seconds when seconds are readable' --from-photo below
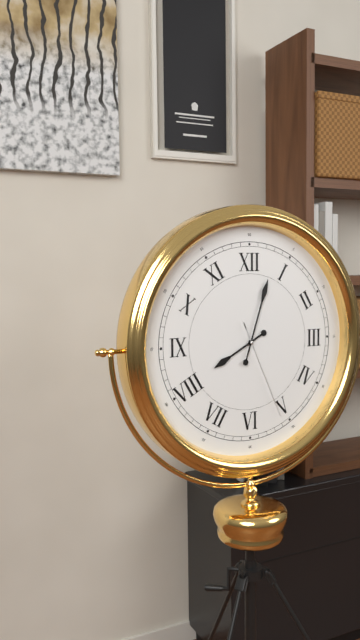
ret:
8,03,26
